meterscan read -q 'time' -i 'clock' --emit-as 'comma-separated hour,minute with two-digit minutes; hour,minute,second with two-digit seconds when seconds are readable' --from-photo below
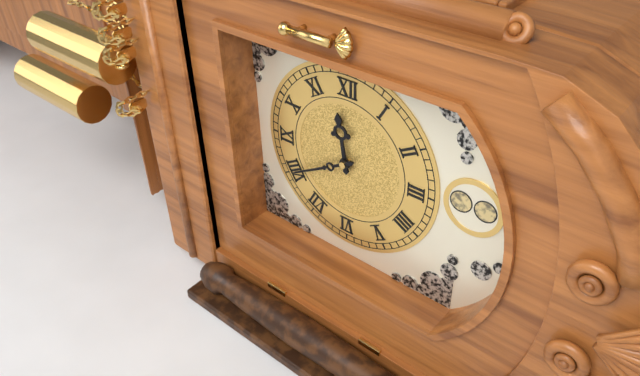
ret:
11,40
